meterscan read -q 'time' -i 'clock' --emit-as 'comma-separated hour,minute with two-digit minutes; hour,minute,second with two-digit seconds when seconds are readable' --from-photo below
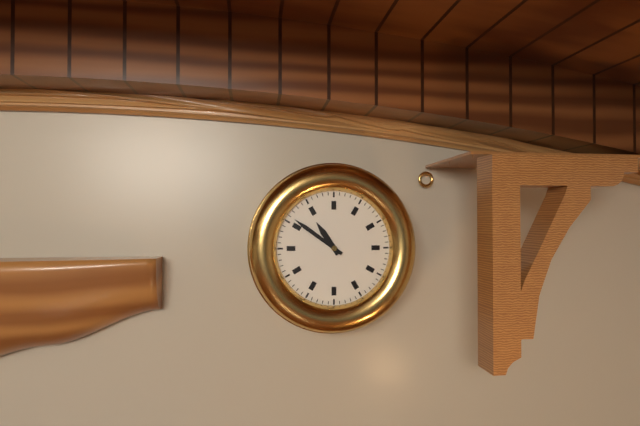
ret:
10,51
